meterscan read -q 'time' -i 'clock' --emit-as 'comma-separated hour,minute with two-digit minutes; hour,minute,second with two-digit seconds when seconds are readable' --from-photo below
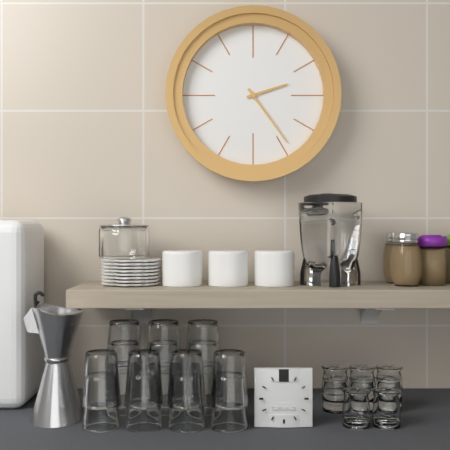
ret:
2,24
